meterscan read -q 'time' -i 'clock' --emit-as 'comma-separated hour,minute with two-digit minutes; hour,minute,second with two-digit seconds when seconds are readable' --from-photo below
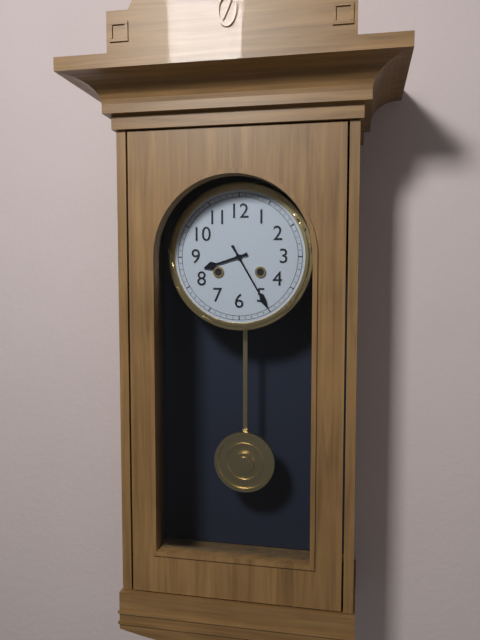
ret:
8,25
